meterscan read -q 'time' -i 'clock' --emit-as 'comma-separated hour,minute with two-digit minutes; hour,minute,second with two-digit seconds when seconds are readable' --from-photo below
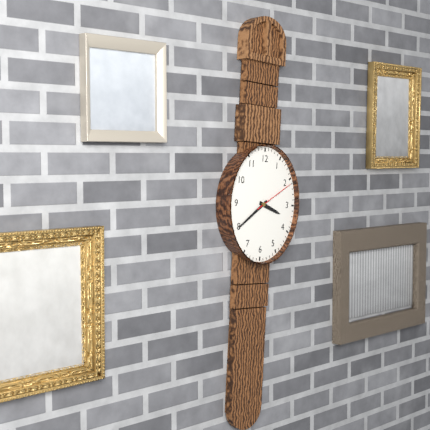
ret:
3,39,10
